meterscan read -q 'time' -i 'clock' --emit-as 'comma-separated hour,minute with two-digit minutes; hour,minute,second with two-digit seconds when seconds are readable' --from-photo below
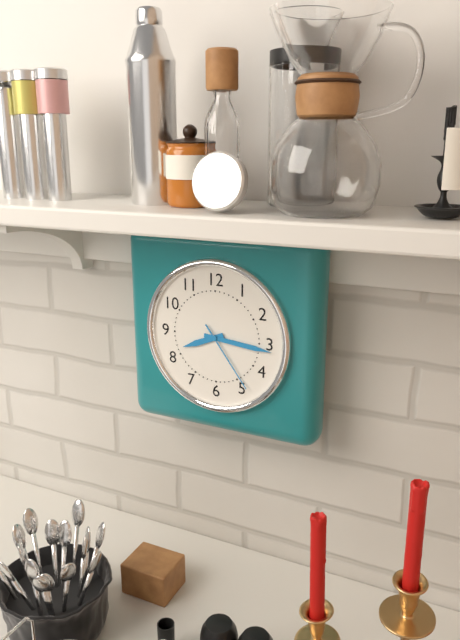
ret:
8,16,24
